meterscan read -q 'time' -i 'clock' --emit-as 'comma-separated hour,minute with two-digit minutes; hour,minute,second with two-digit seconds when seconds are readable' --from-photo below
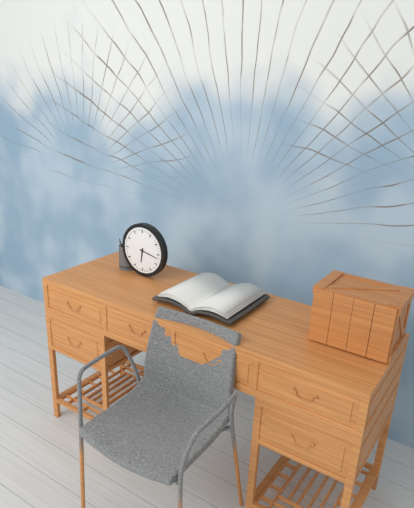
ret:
6,17
